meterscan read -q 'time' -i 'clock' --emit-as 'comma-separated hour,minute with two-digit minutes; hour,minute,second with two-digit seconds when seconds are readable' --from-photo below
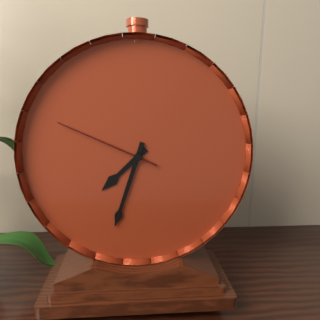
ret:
7,33,49
